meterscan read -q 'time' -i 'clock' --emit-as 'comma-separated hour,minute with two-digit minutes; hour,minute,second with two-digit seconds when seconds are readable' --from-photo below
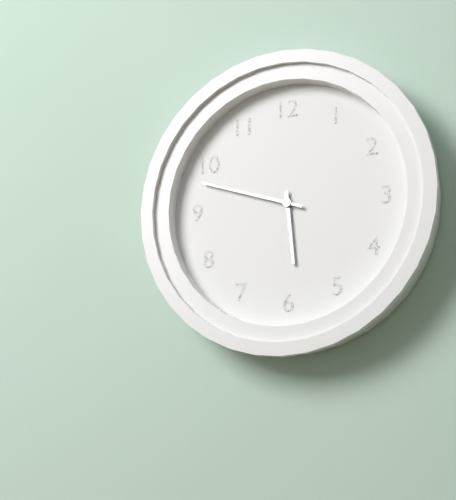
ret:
5,48
